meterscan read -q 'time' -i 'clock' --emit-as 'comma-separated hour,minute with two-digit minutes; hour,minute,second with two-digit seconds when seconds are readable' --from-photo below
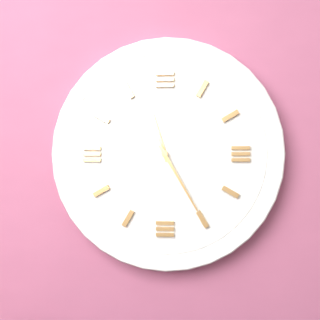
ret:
11,25
